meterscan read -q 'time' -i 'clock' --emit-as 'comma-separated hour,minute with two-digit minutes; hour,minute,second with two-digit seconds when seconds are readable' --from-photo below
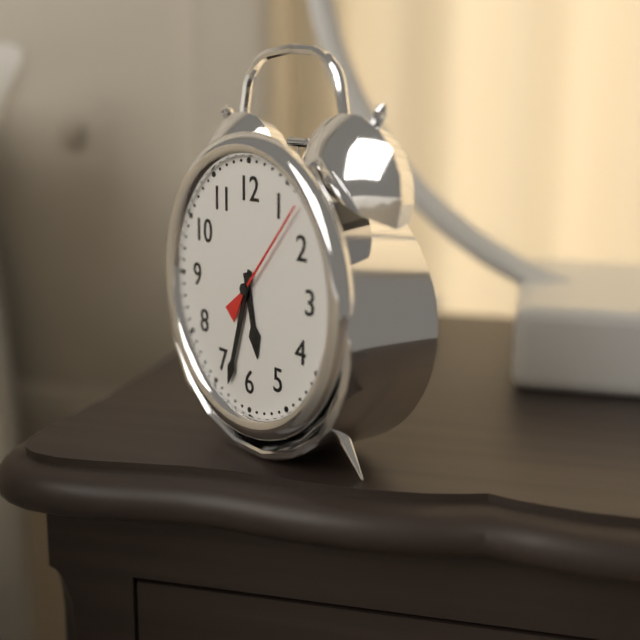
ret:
5,33,07
